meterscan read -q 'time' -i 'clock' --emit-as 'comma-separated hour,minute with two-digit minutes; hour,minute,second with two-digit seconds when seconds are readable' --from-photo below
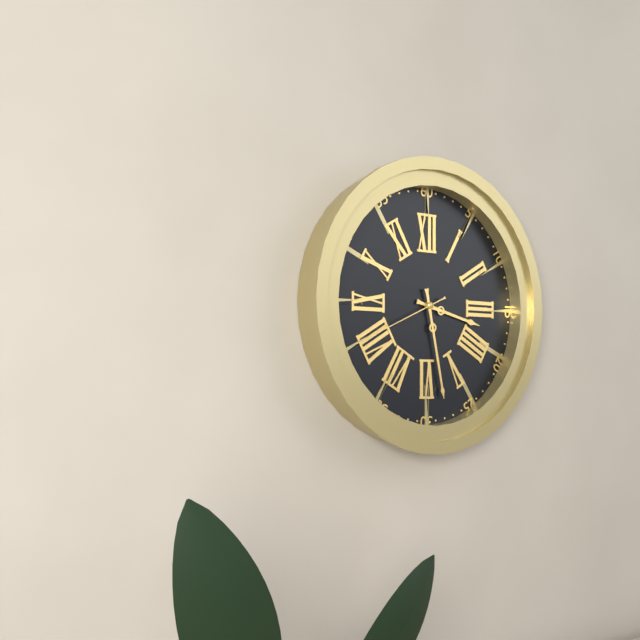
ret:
3,28,41
